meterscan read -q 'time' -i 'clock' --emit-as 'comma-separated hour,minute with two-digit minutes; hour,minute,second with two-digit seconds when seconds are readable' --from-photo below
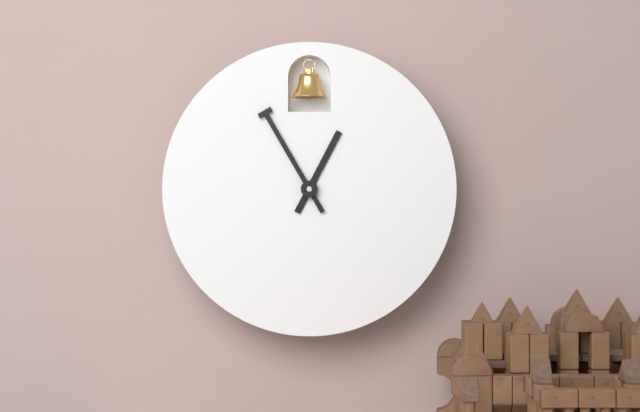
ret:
12,55
